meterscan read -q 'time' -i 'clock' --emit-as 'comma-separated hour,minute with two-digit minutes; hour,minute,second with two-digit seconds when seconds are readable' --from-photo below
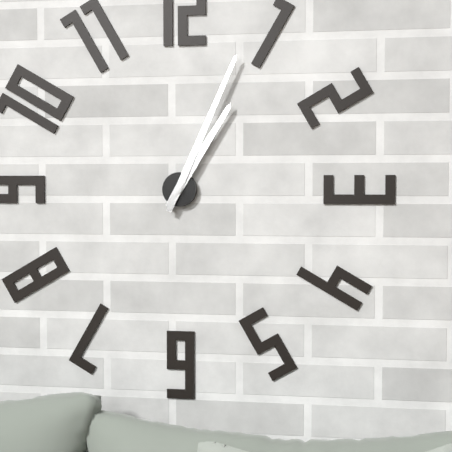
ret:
1,04
